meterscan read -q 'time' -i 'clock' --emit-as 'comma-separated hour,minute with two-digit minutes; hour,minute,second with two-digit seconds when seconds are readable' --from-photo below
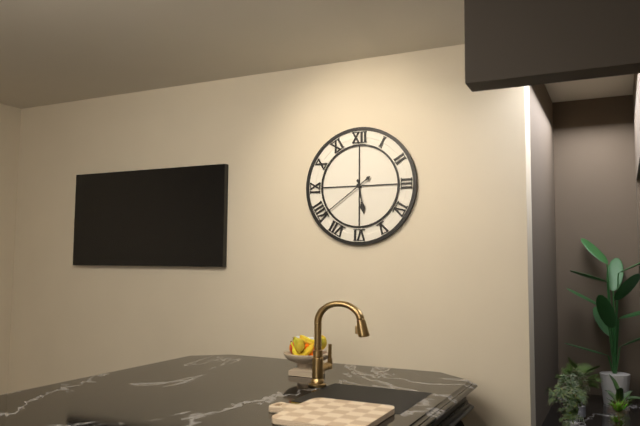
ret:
5,39
